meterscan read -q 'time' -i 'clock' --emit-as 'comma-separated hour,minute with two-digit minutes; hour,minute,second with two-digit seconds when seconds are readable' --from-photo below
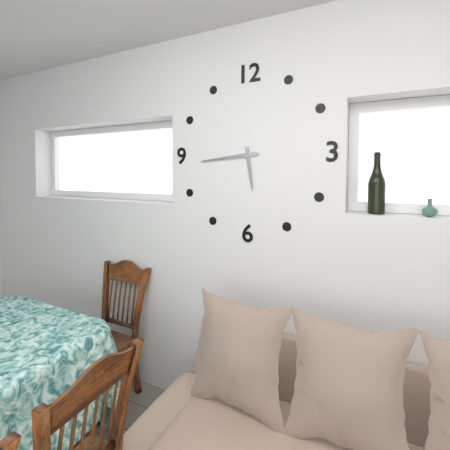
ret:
5,44
